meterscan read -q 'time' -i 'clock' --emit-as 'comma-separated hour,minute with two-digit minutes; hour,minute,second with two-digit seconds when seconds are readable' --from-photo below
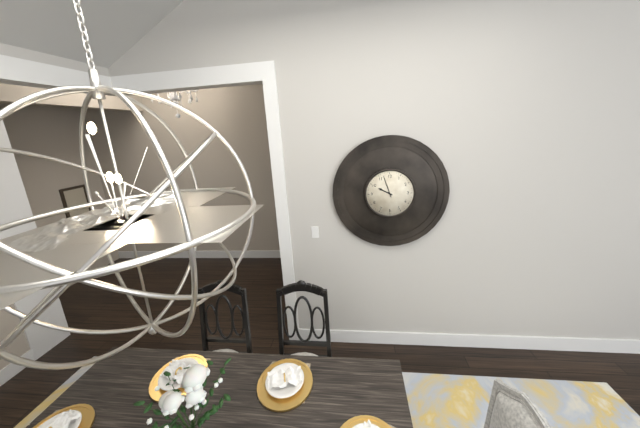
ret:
9,57
